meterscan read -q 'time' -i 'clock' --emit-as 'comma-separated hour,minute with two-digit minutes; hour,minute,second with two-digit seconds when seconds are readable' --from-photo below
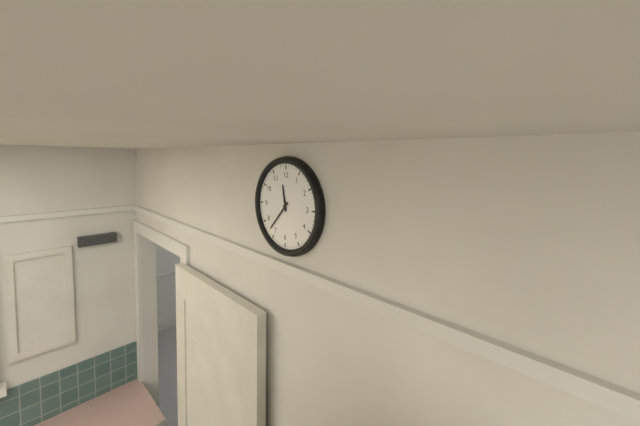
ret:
11,37
